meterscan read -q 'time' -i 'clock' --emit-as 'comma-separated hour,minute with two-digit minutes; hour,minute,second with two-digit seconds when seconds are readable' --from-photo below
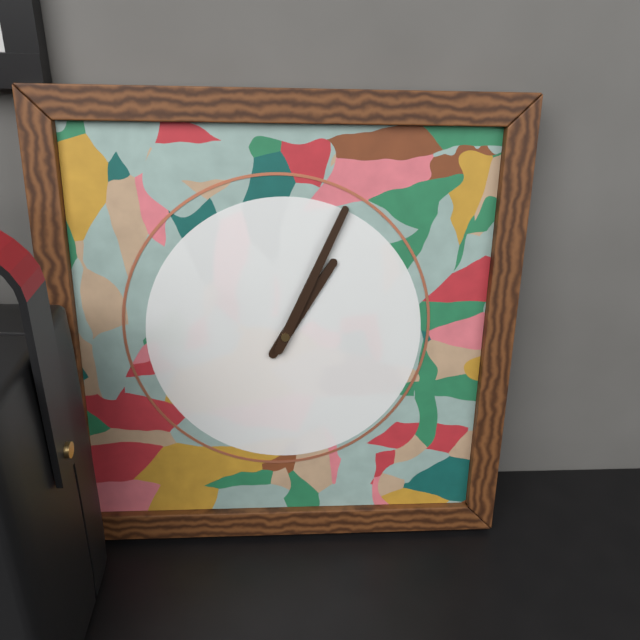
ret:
1,04
